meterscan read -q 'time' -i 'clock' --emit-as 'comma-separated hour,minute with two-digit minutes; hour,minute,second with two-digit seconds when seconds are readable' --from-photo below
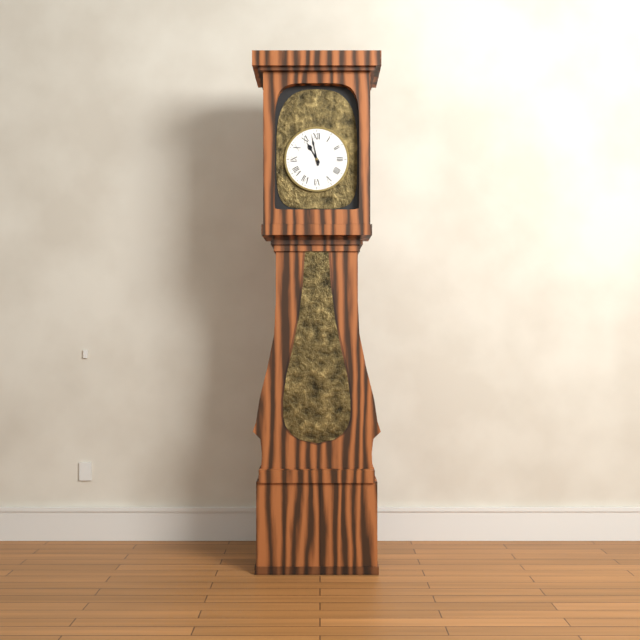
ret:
10,58
